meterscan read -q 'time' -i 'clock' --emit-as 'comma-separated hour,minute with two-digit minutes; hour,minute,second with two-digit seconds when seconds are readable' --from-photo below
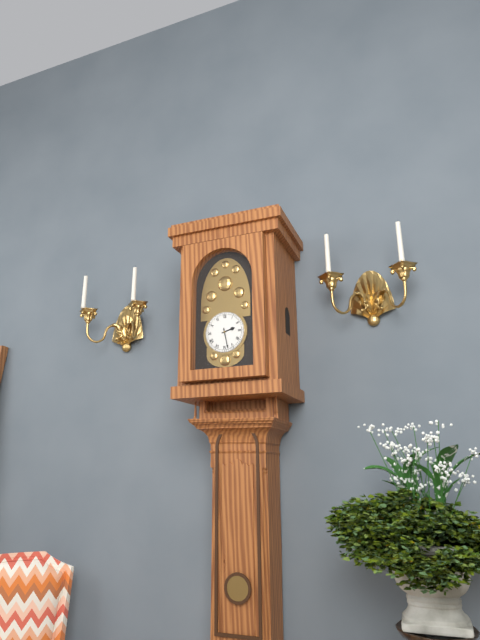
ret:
2,28
